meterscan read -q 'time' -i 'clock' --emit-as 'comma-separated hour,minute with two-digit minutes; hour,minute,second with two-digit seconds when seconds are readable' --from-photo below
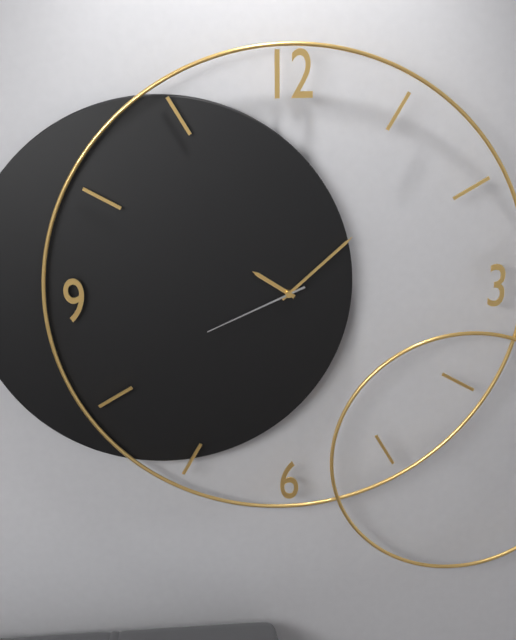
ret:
10,08,41
